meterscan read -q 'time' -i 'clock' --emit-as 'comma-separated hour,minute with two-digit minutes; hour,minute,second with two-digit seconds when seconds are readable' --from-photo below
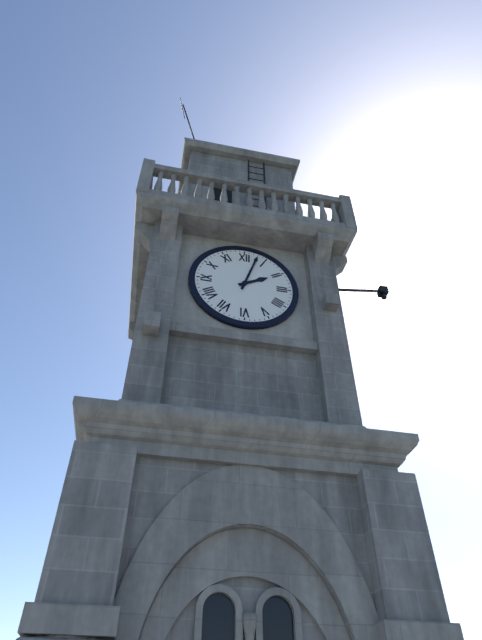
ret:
2,03
